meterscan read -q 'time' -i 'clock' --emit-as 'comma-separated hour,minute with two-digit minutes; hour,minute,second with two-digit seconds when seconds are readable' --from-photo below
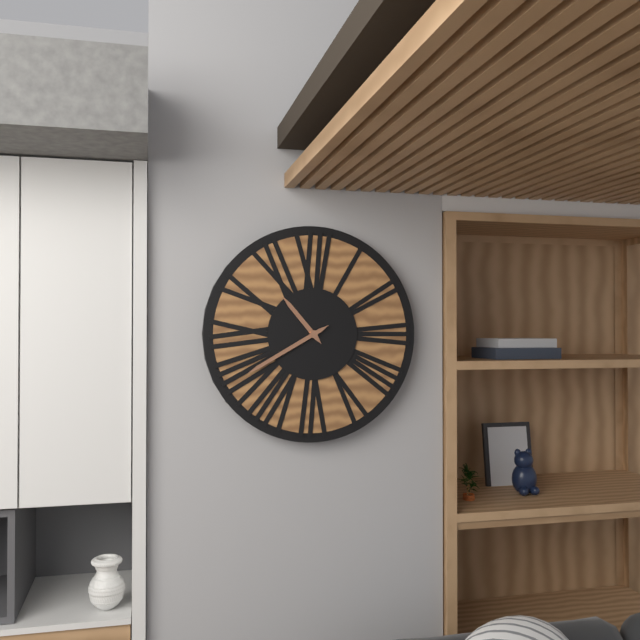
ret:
10,40
